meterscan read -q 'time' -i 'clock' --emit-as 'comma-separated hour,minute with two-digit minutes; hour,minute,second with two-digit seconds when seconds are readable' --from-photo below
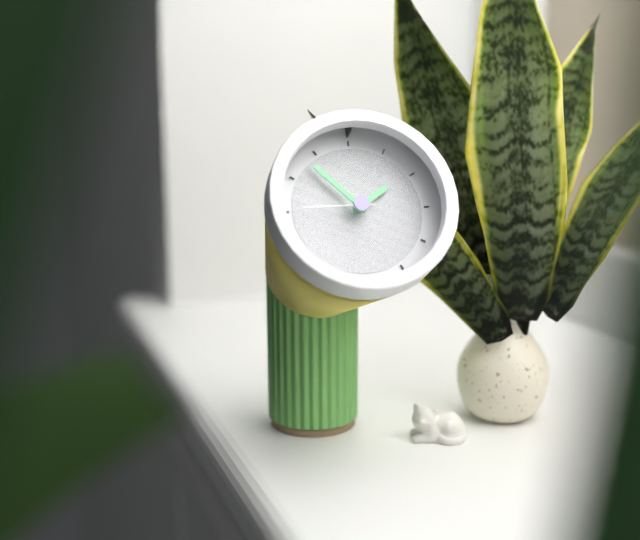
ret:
1,53,45
